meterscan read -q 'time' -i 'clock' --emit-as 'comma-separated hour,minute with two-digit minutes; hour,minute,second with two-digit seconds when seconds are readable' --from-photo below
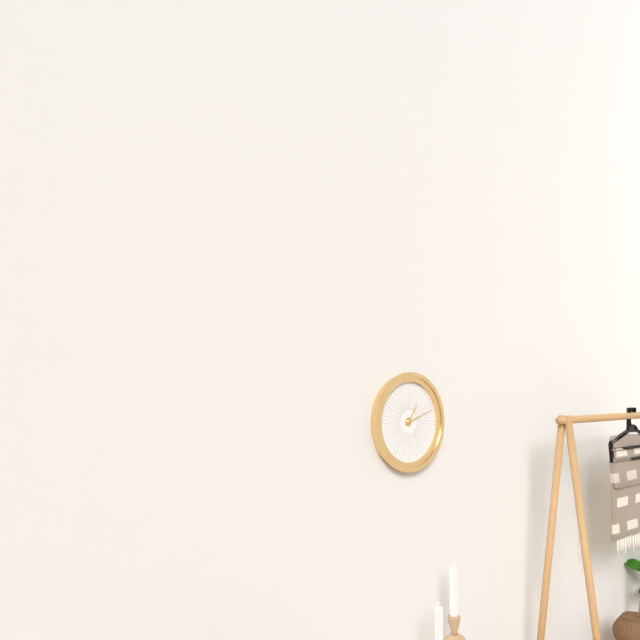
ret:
1,12
